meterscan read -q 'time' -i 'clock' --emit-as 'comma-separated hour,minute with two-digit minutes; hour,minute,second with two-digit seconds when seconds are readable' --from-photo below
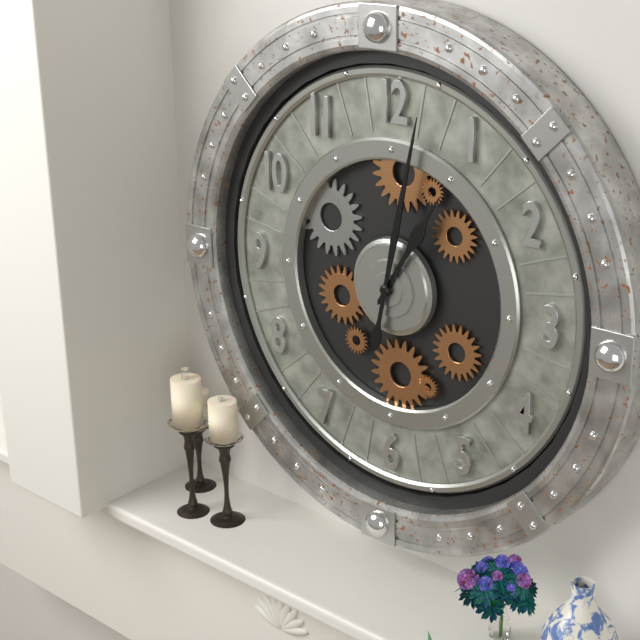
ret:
1,02
